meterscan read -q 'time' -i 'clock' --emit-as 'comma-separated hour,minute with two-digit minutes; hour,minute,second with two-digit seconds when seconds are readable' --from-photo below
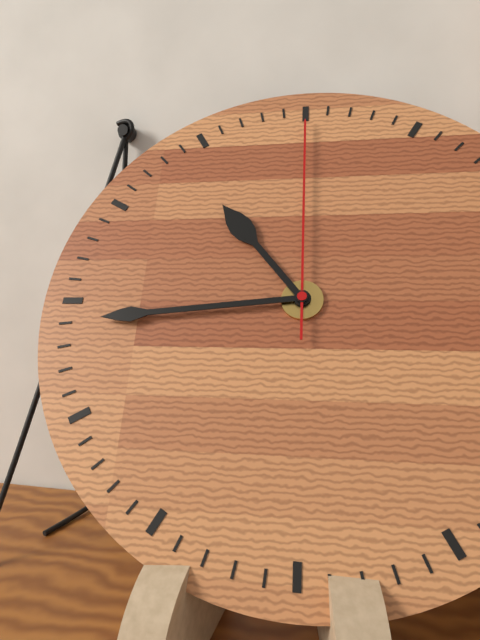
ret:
10,44,00
